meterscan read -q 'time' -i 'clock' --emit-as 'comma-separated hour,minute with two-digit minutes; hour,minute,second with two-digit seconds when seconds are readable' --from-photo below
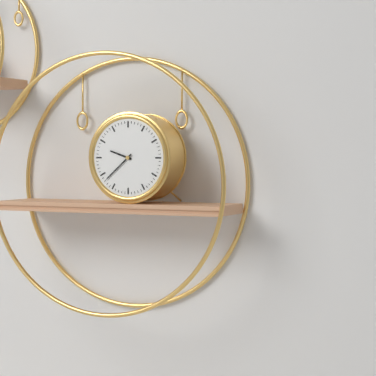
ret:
9,38
